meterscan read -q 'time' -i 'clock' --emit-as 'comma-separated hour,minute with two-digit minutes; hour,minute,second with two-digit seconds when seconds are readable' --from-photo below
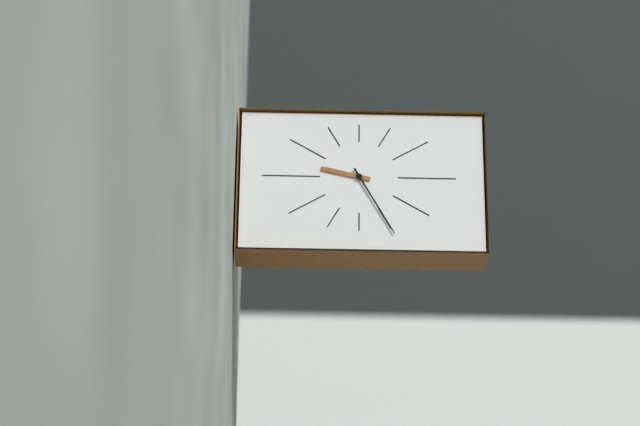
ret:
9,25
